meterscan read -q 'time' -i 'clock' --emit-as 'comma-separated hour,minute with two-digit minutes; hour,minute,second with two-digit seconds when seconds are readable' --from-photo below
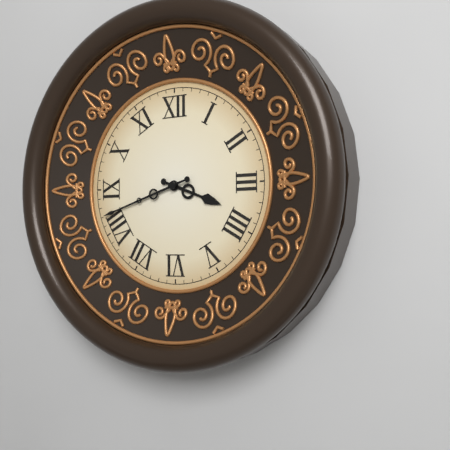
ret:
3,42
